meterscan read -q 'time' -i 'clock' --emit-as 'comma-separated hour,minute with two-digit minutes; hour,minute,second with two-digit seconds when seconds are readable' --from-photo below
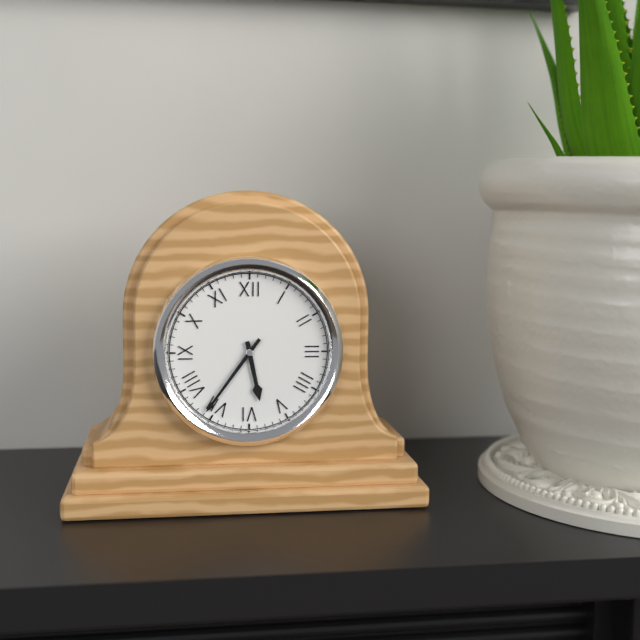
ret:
5,36
